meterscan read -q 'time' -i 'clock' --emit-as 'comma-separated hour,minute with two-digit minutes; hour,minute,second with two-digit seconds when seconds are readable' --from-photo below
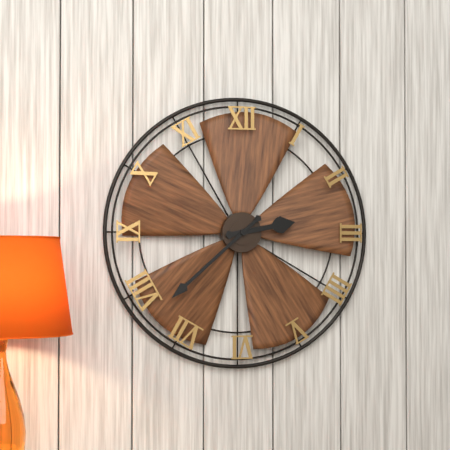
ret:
2,38
